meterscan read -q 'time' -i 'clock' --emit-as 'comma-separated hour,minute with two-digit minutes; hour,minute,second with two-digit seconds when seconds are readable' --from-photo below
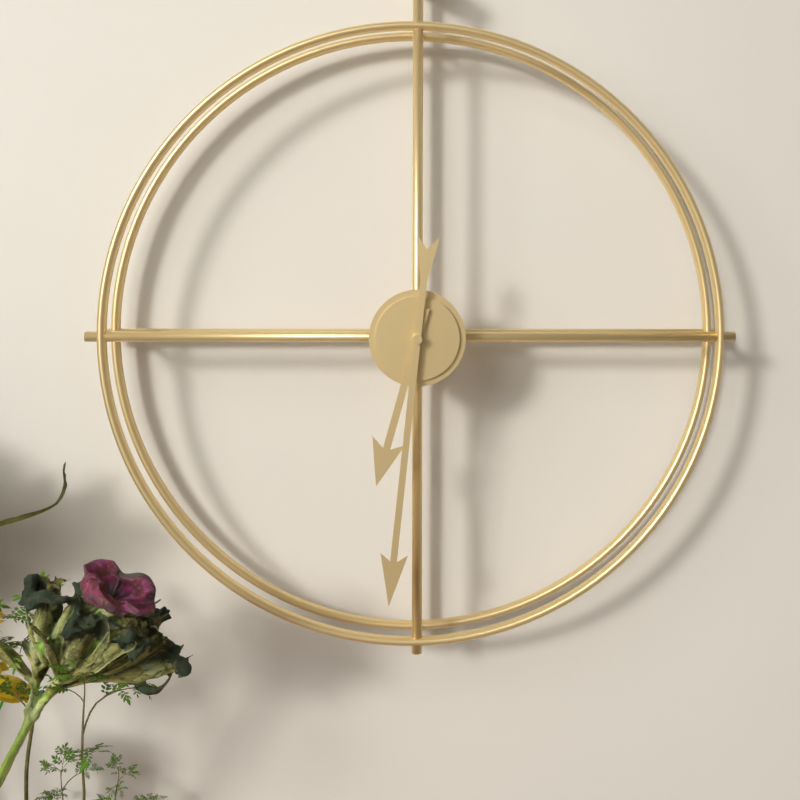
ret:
6,31
